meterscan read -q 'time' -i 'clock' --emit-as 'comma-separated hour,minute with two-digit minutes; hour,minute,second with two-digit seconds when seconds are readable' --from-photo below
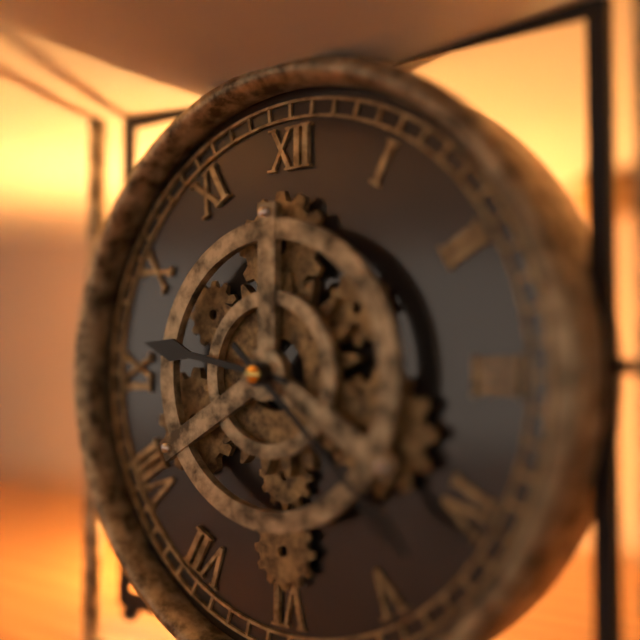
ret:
9,22
